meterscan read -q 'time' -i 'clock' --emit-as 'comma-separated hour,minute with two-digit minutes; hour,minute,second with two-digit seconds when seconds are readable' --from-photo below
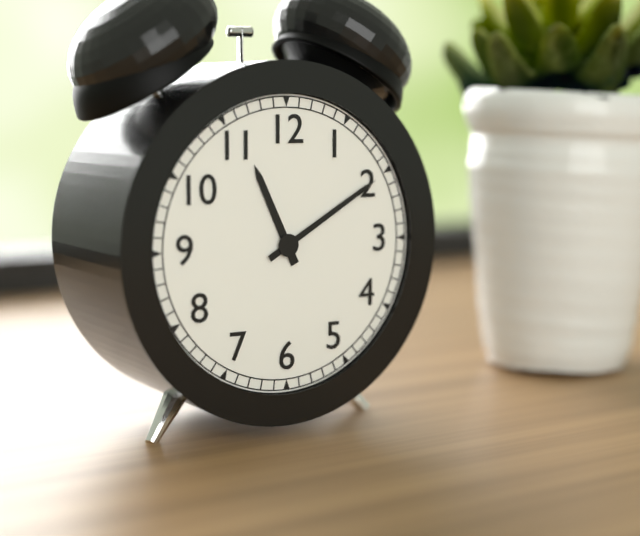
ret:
11,10
